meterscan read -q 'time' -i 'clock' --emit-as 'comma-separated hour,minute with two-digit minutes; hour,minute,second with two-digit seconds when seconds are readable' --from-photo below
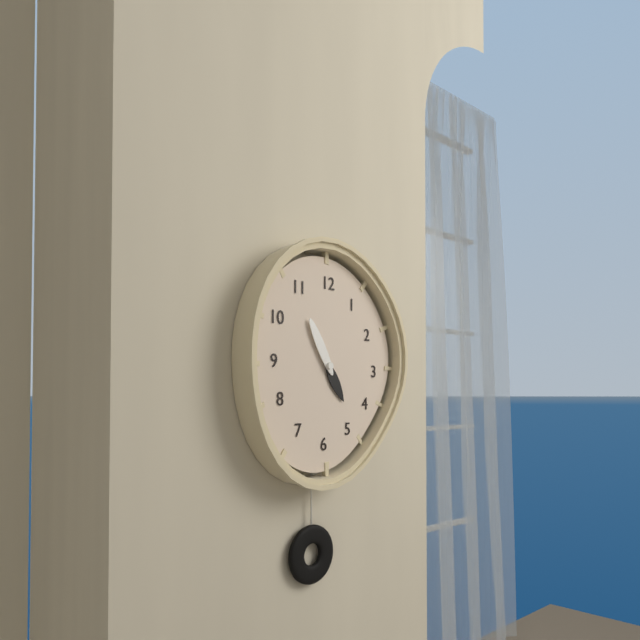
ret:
4,55
